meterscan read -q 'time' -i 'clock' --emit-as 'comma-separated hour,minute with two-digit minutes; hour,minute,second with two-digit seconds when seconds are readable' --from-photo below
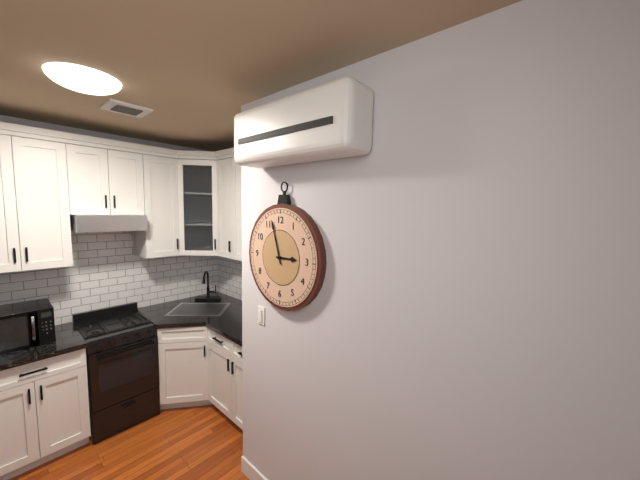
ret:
2,57
